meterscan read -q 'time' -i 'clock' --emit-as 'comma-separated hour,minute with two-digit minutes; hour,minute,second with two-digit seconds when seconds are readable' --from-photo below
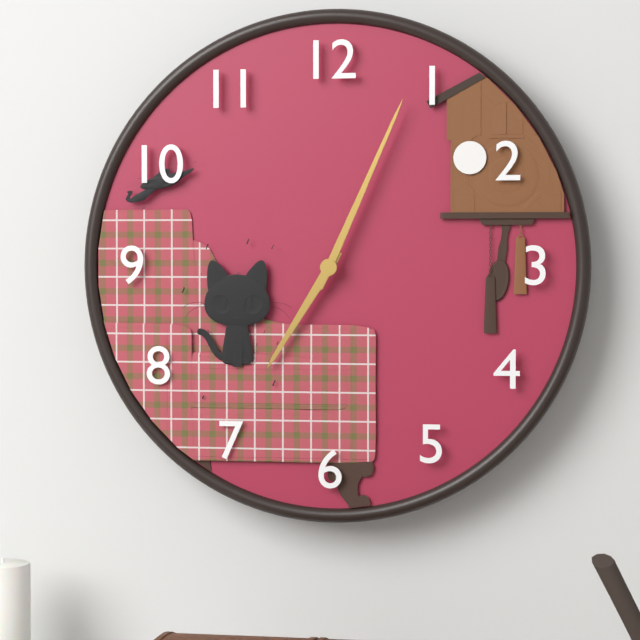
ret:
7,04
